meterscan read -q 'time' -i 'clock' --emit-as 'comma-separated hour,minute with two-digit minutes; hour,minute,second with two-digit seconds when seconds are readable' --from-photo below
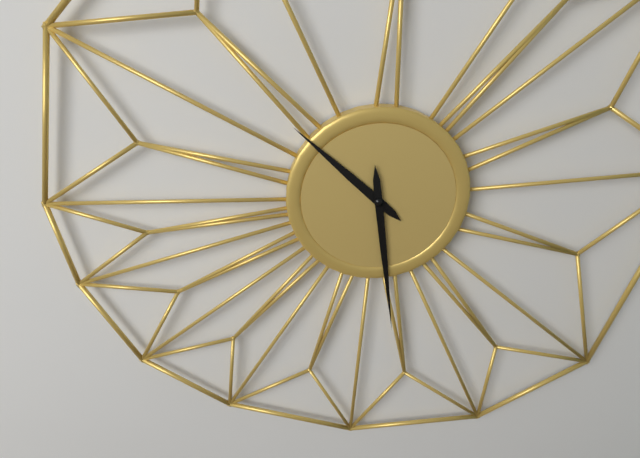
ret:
10,29
